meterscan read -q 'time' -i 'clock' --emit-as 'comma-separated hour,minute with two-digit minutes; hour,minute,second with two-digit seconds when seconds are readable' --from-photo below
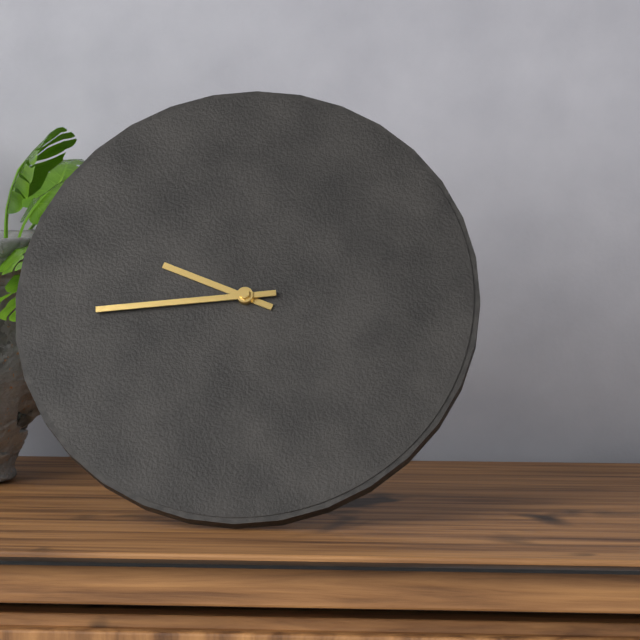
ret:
9,44
